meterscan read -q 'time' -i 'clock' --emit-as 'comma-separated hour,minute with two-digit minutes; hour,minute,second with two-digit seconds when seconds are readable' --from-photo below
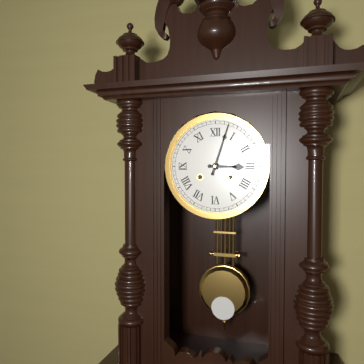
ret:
3,03
